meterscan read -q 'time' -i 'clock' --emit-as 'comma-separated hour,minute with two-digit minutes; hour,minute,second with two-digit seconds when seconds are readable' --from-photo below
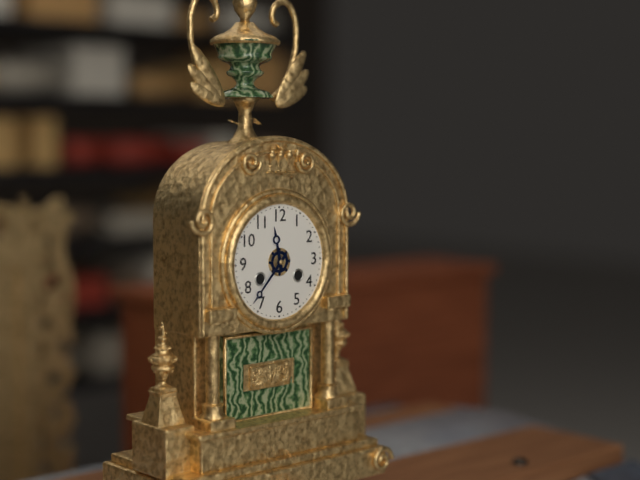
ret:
11,37
